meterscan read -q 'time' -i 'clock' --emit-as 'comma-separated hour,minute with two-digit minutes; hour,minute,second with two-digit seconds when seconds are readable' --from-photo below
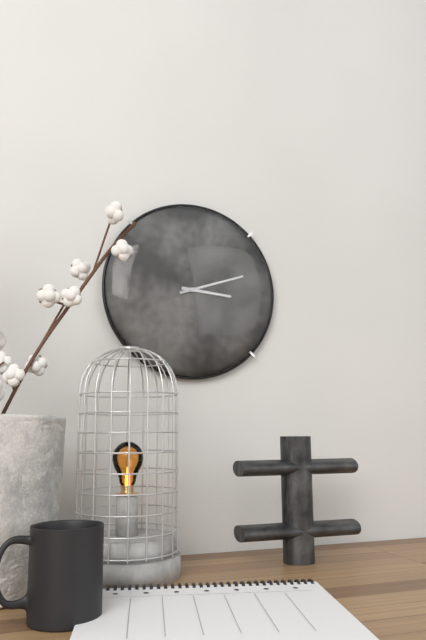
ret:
3,12
